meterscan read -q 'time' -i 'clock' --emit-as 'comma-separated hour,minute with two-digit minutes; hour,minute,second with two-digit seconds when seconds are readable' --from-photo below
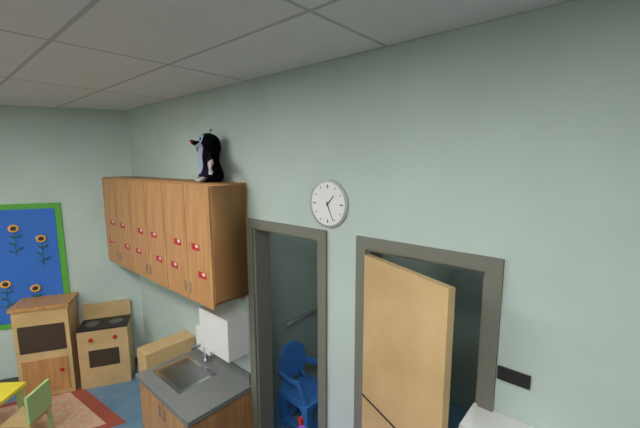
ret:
1,26
